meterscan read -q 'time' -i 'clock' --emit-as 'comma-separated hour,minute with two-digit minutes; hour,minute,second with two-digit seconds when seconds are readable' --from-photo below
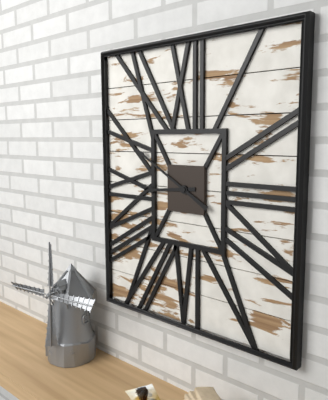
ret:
8,50
